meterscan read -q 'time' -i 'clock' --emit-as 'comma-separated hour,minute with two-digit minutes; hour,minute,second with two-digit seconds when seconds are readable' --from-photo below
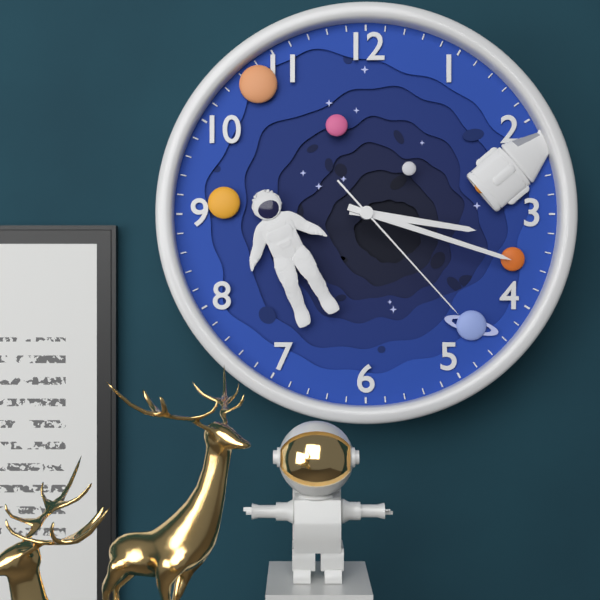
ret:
3,18,23
